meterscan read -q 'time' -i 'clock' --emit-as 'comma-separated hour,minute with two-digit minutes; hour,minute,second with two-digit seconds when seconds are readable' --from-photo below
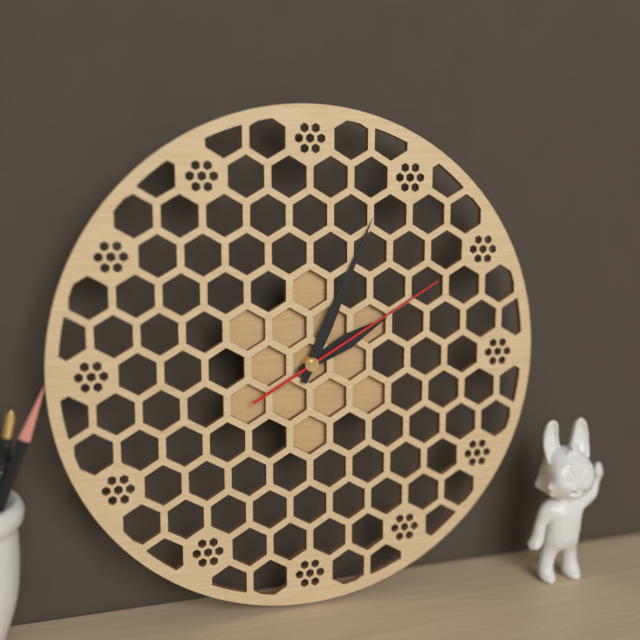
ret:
2,04,10
